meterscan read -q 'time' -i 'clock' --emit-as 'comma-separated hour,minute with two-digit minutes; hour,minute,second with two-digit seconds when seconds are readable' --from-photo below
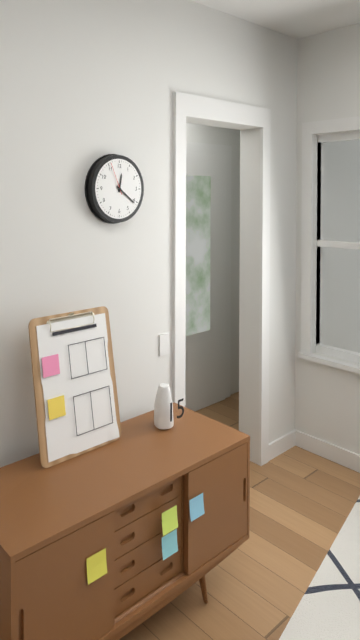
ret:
12,21
